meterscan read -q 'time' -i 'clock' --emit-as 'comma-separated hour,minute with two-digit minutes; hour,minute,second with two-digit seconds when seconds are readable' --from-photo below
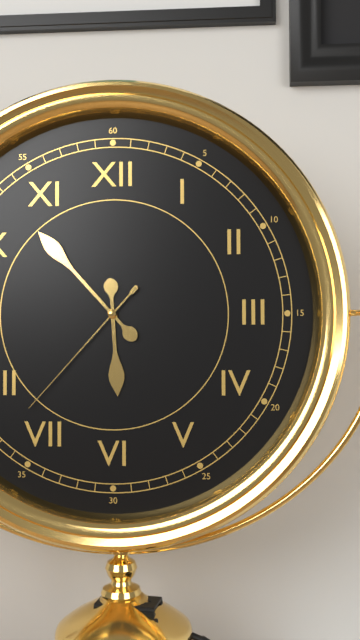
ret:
5,53,37
